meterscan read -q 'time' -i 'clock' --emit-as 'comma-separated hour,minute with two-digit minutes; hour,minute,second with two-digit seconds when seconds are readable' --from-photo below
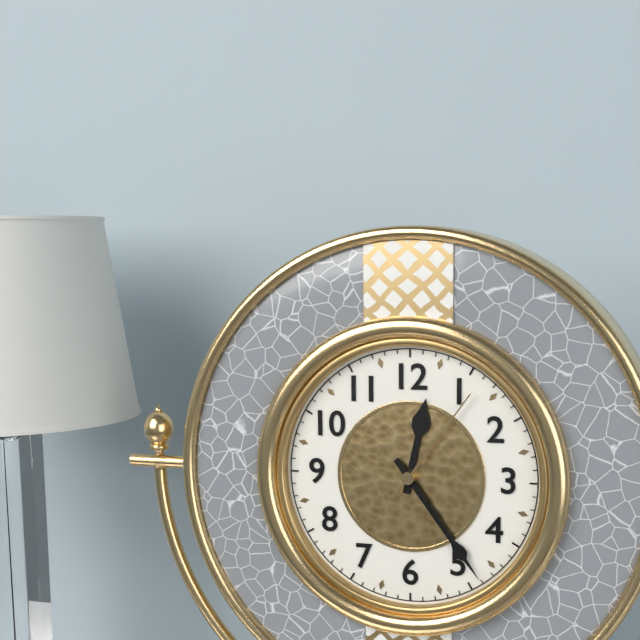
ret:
12,24,06
